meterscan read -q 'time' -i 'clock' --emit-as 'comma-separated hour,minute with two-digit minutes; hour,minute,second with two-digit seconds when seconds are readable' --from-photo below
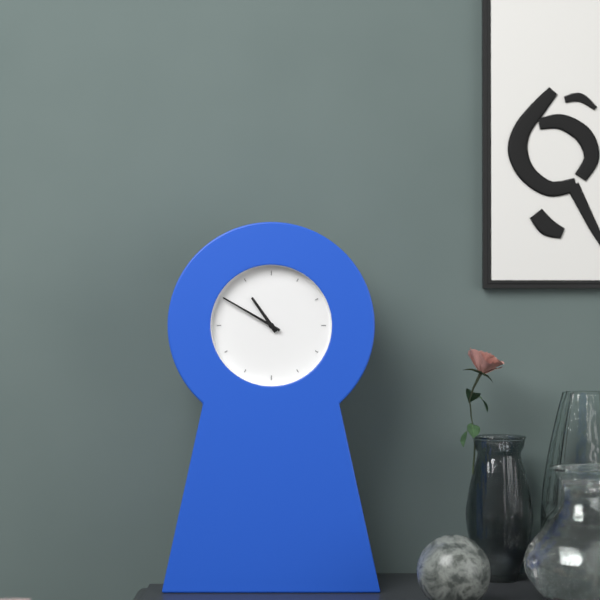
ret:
10,50
